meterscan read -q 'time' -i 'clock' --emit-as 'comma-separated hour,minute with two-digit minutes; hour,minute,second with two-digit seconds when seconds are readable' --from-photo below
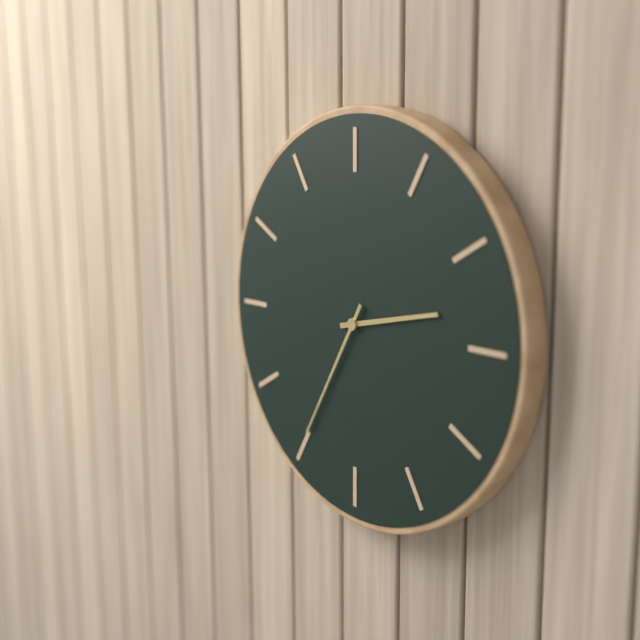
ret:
2,35
